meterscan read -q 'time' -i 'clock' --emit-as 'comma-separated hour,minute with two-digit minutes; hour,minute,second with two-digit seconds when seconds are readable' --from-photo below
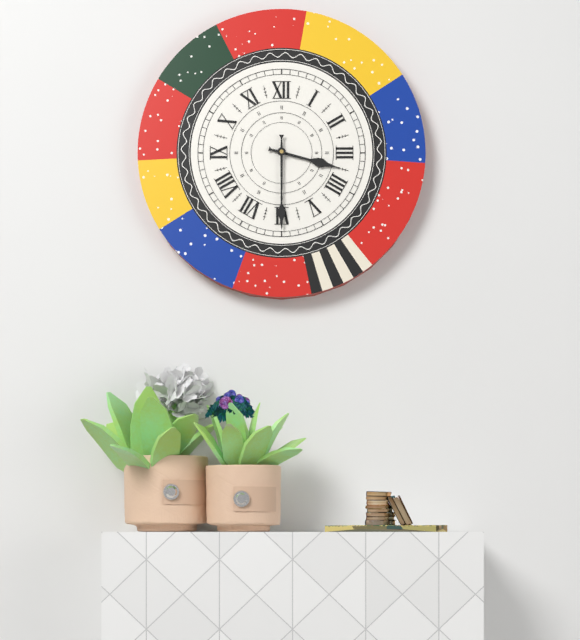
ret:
3,30
